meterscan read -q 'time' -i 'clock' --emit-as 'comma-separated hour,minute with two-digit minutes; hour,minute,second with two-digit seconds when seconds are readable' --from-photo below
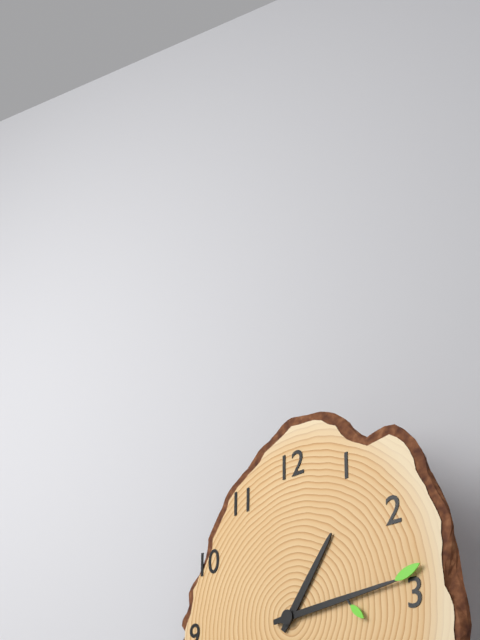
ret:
1,14
